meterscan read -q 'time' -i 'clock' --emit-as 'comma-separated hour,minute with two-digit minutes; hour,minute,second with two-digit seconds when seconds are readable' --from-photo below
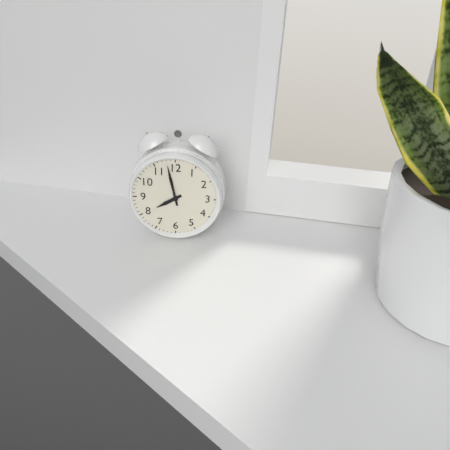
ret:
7,58
